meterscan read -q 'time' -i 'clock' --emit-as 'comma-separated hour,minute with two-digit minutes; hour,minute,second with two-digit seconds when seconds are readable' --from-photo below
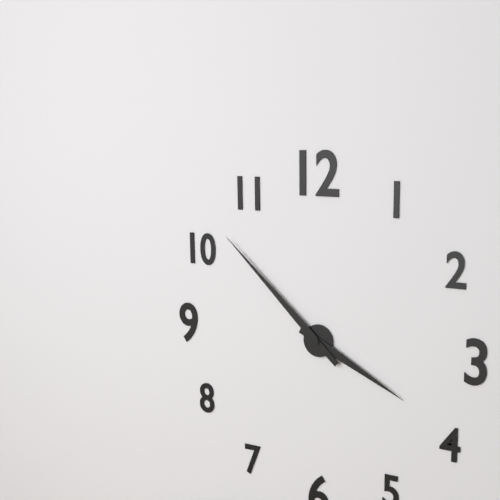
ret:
3,52
